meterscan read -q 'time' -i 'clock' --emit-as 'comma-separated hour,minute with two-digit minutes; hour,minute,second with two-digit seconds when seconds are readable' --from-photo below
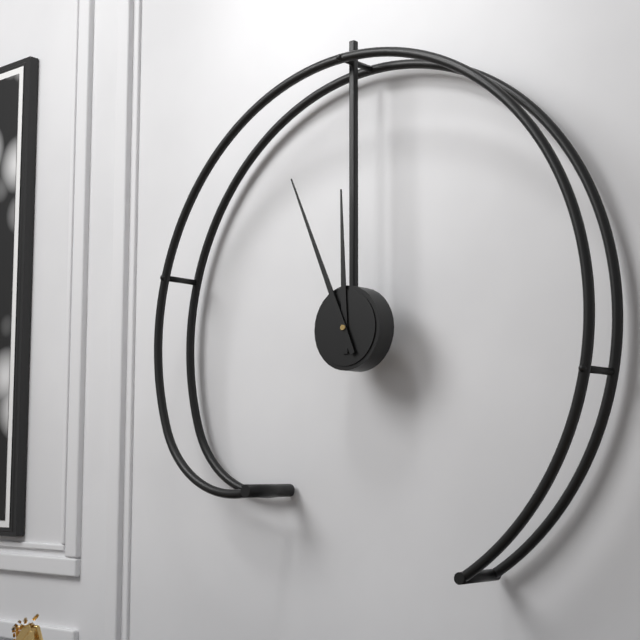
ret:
11,56
